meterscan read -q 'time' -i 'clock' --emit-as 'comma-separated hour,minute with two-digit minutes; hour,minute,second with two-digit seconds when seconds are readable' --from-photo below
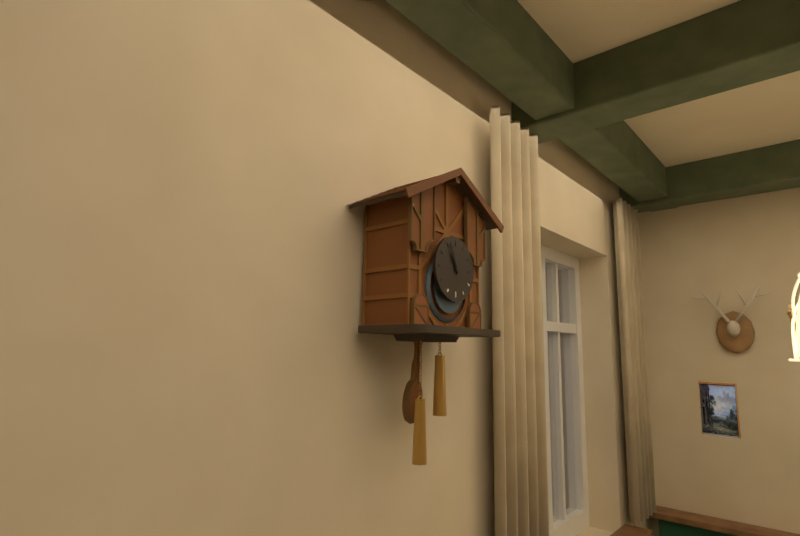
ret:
10,56
